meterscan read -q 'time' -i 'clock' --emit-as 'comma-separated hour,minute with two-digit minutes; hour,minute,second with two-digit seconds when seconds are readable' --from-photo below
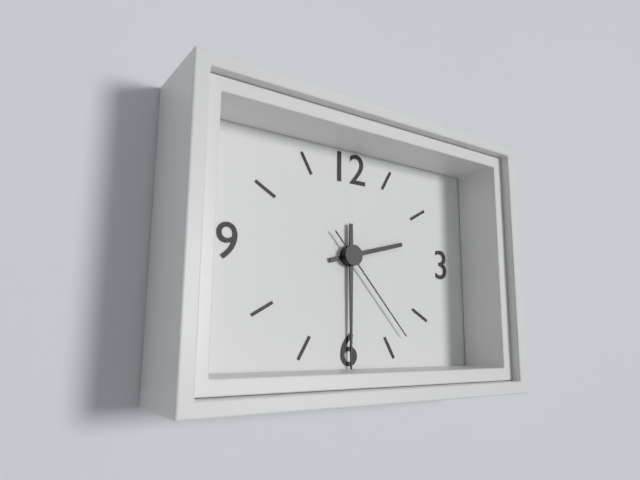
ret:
2,30,23
